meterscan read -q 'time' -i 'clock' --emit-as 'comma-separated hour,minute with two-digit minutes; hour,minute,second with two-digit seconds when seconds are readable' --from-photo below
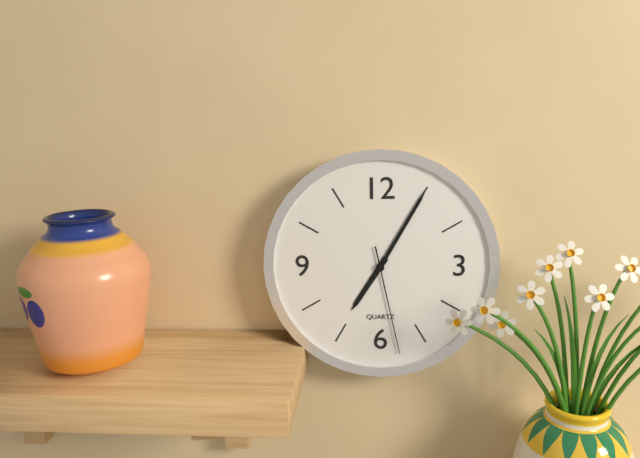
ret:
7,05,28
